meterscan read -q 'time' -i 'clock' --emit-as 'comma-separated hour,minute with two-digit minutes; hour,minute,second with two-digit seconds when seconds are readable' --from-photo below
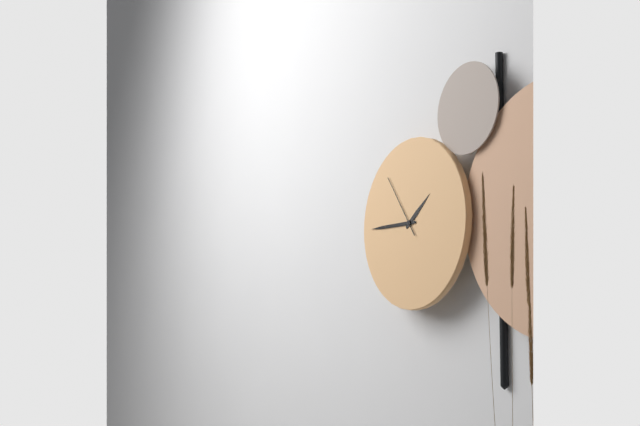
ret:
1,45,54
